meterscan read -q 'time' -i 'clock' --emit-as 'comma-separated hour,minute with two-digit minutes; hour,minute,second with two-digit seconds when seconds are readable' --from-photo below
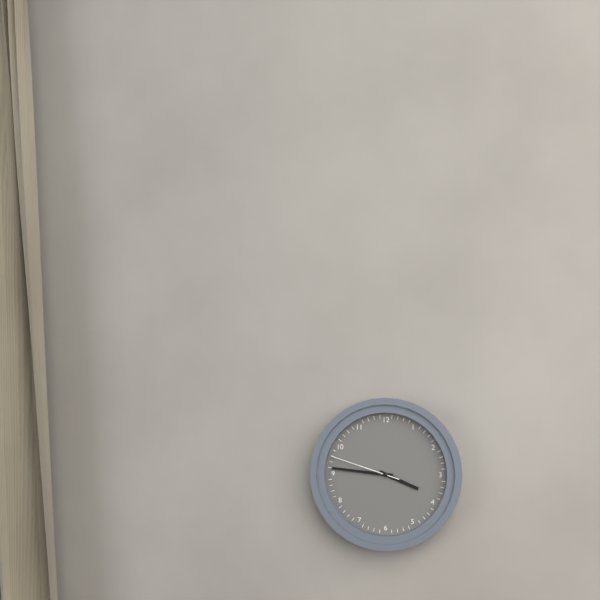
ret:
3,46,48
